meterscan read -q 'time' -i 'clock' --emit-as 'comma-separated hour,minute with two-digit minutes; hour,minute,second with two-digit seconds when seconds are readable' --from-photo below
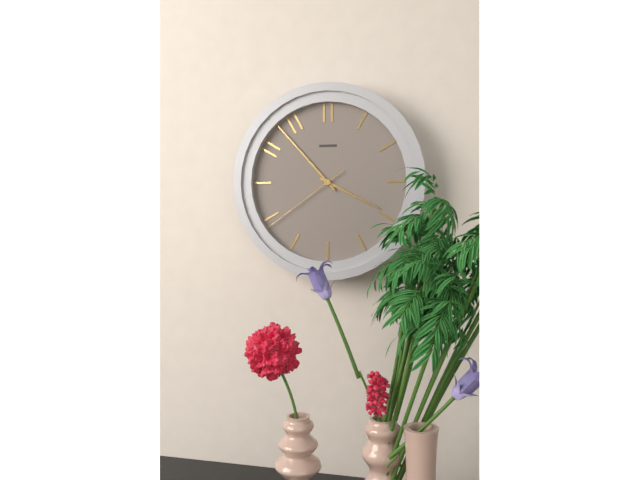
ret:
3,53,39
